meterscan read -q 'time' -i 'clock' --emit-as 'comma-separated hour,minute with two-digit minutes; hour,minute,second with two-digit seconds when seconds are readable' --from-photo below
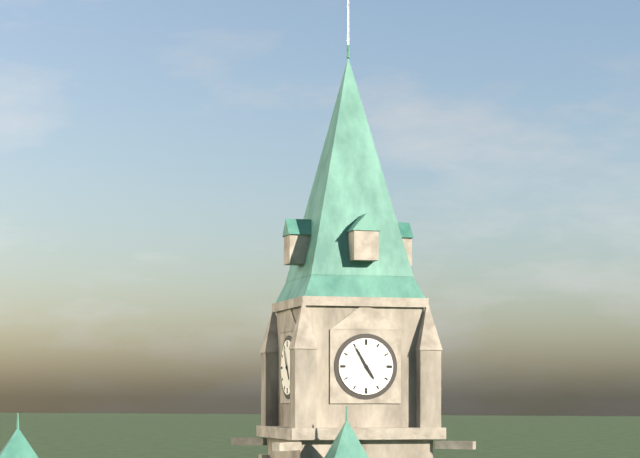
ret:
4,55
